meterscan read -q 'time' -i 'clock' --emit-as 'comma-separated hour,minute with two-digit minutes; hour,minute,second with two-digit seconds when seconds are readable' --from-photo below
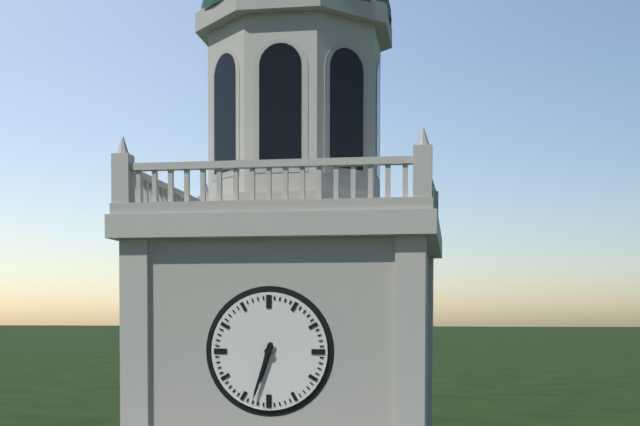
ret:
6,33
